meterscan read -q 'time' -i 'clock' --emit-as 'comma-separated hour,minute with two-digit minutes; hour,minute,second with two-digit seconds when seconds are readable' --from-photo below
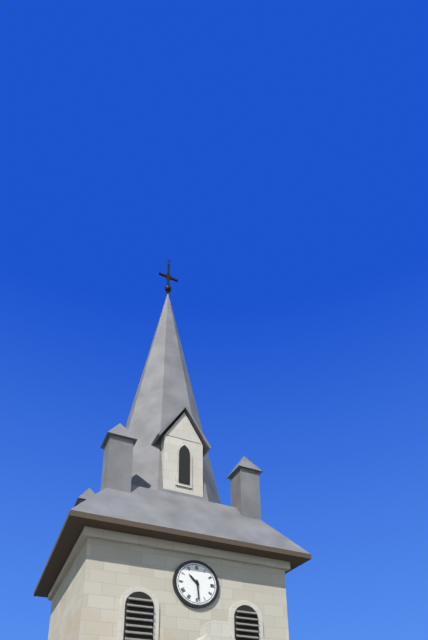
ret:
10,29
